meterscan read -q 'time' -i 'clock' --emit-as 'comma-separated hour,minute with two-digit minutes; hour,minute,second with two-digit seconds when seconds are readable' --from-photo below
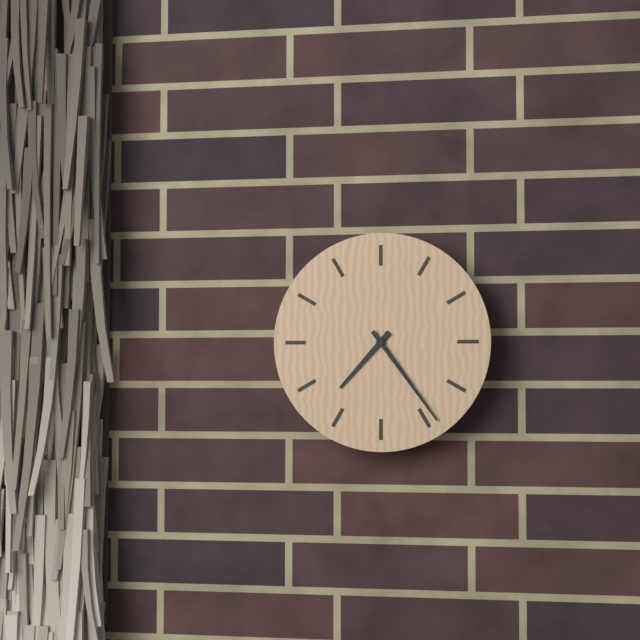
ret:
7,24
